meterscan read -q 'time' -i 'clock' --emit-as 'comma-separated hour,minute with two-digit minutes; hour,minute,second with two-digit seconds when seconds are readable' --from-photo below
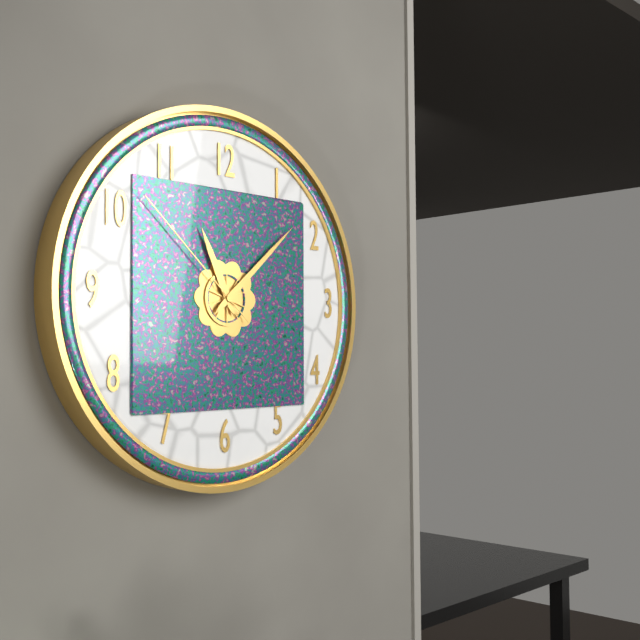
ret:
11,08,52
